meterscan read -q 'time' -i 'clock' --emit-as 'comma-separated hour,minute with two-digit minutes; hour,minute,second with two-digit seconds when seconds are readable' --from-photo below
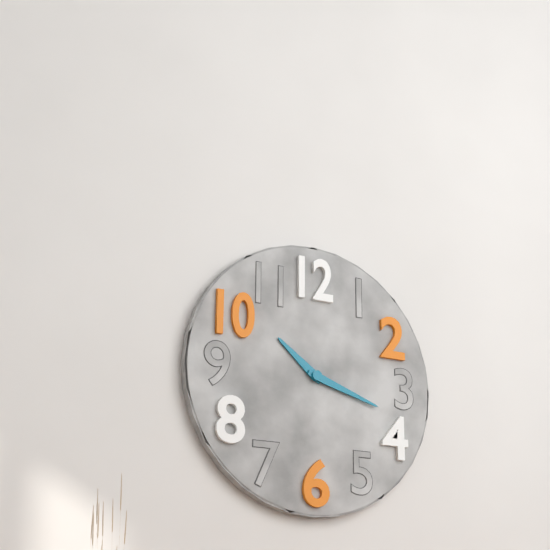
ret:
10,18
